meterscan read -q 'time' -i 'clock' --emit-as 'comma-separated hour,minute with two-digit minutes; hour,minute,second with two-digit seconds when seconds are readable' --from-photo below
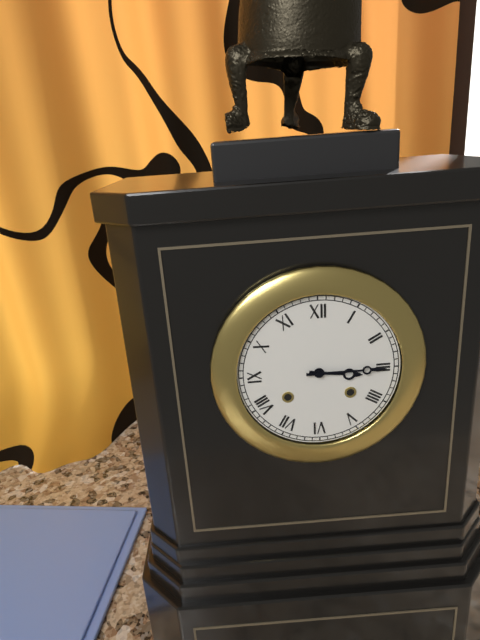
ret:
3,15
